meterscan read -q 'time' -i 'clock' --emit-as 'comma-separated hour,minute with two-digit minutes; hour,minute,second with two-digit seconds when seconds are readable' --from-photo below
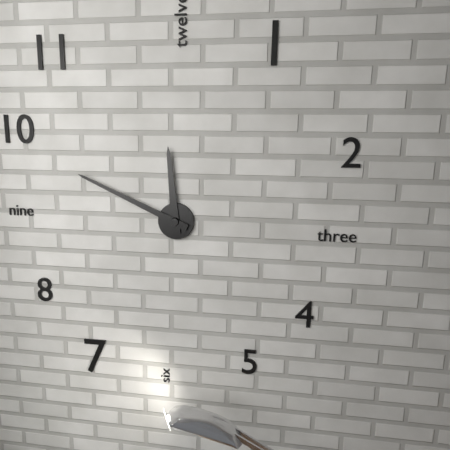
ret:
11,49
